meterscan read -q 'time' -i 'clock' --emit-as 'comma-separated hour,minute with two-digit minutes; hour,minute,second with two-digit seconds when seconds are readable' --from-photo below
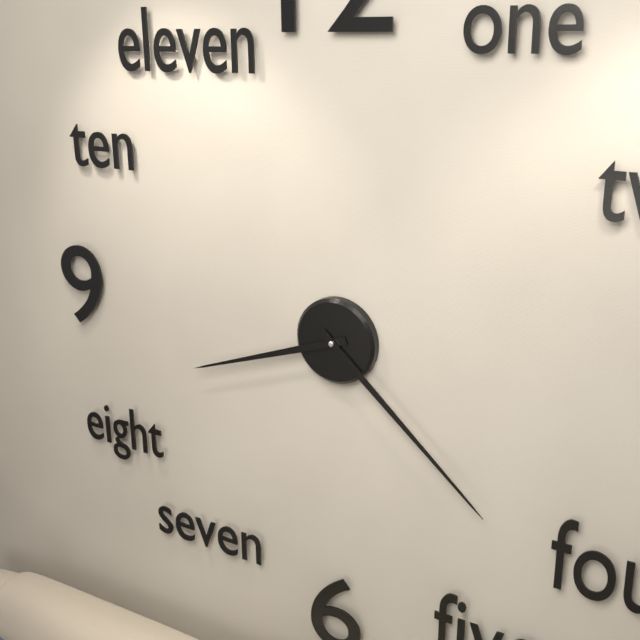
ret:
8,22
